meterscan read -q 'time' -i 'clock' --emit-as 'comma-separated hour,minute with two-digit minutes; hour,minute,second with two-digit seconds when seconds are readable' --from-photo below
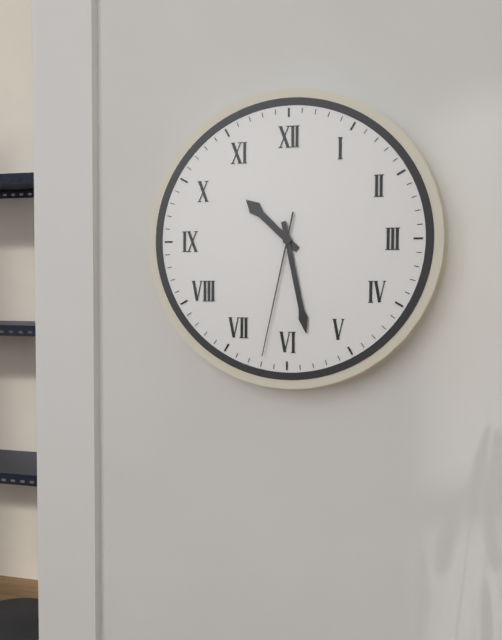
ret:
10,28,32
